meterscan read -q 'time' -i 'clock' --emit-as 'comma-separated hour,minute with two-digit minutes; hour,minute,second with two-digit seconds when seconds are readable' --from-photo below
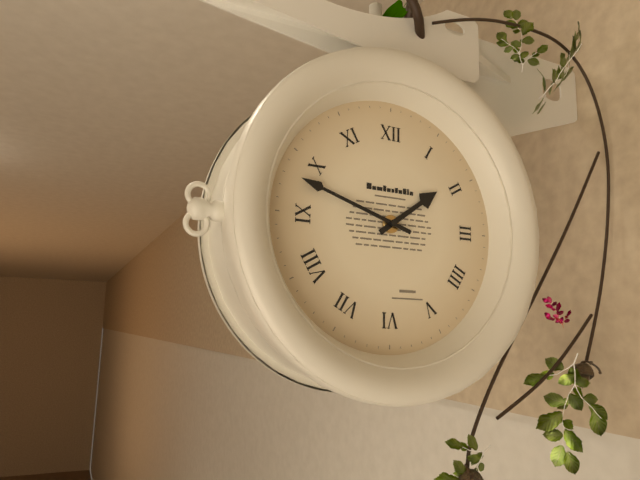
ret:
1,48
